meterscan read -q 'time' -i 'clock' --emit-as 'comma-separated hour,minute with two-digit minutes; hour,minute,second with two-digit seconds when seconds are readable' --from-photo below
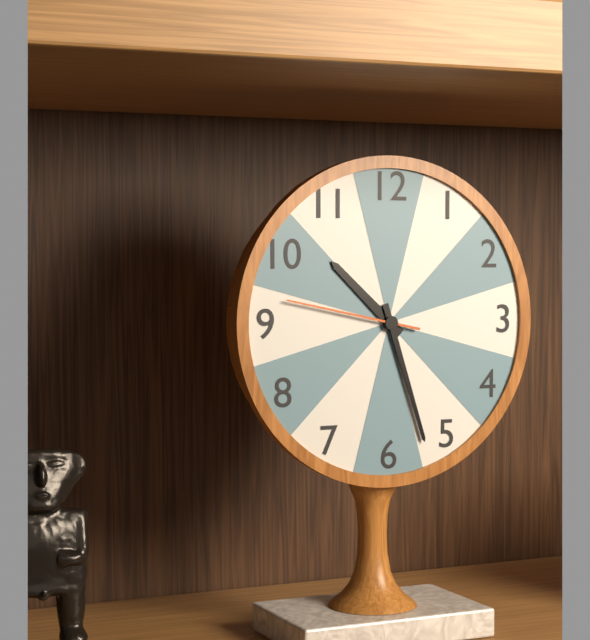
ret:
10,27,47
